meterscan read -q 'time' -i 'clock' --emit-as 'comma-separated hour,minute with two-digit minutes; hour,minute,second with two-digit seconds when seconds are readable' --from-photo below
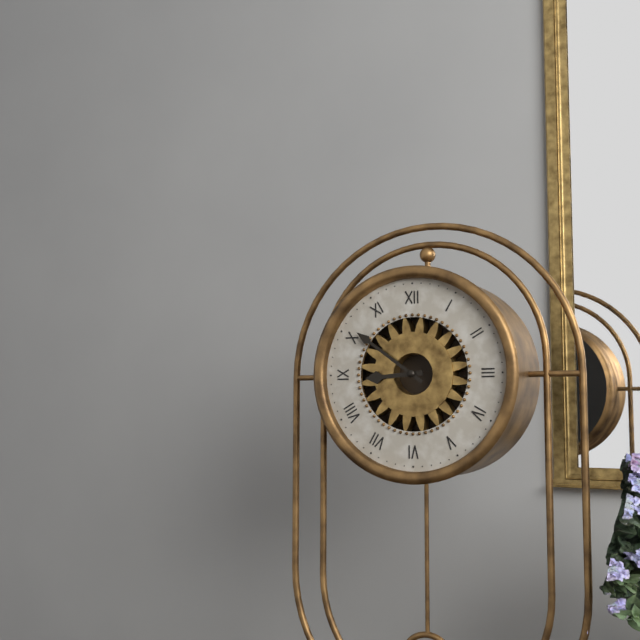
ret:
8,51
